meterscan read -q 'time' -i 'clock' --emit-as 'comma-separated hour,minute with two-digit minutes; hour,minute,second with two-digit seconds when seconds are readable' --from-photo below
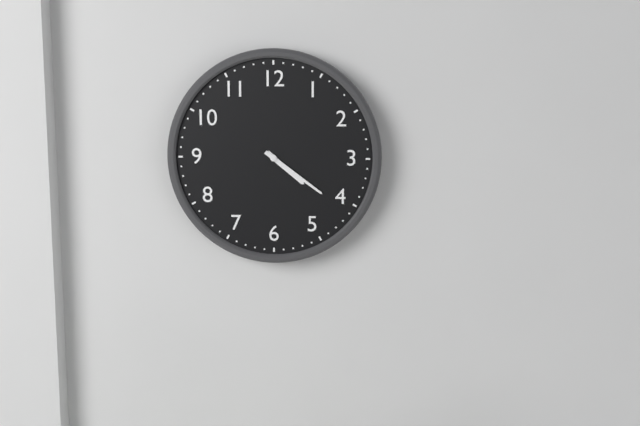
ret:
4,21
